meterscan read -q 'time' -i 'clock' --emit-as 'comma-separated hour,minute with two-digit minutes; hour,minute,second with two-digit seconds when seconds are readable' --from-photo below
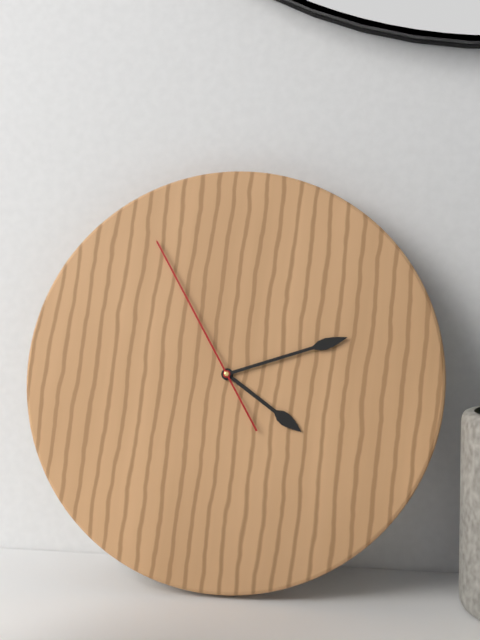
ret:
4,12,55
